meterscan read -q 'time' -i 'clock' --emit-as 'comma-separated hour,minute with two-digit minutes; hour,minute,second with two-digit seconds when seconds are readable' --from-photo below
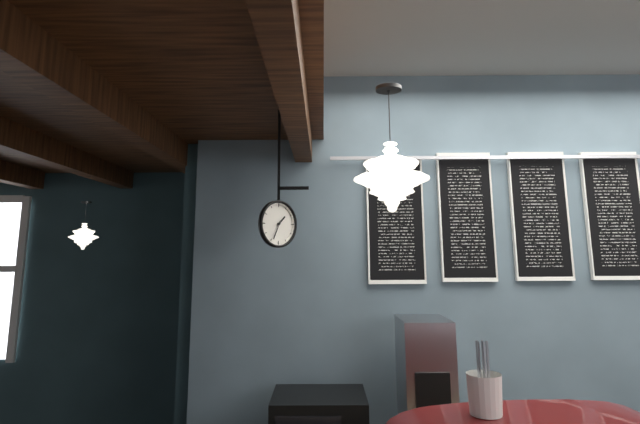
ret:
1,34
